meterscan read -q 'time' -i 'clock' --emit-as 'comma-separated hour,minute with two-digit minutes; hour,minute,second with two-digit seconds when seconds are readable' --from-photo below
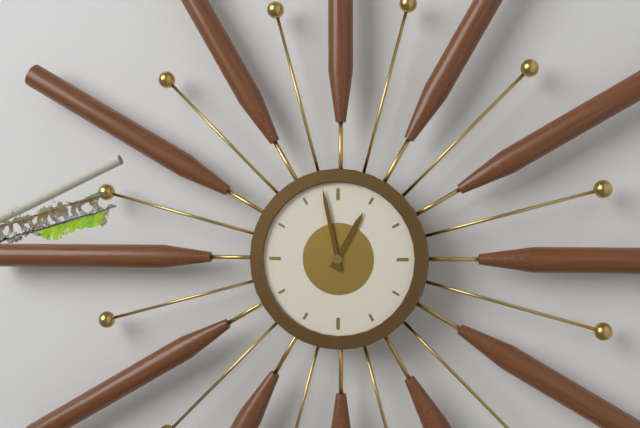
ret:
12,58
